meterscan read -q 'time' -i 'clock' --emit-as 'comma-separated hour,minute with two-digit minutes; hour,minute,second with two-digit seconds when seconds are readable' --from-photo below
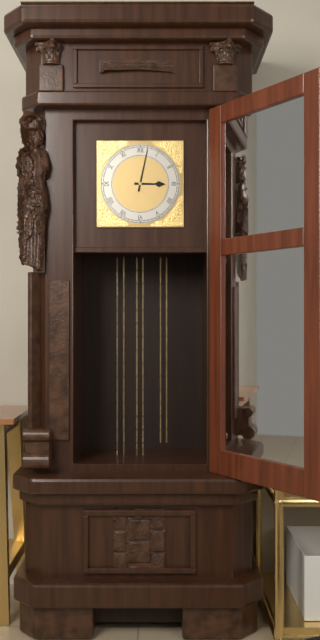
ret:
3,02
